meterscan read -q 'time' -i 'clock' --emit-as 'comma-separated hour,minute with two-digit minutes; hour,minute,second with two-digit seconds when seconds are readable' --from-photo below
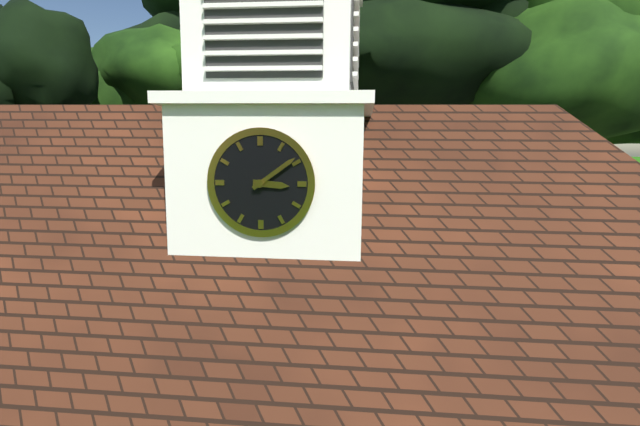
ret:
3,09
